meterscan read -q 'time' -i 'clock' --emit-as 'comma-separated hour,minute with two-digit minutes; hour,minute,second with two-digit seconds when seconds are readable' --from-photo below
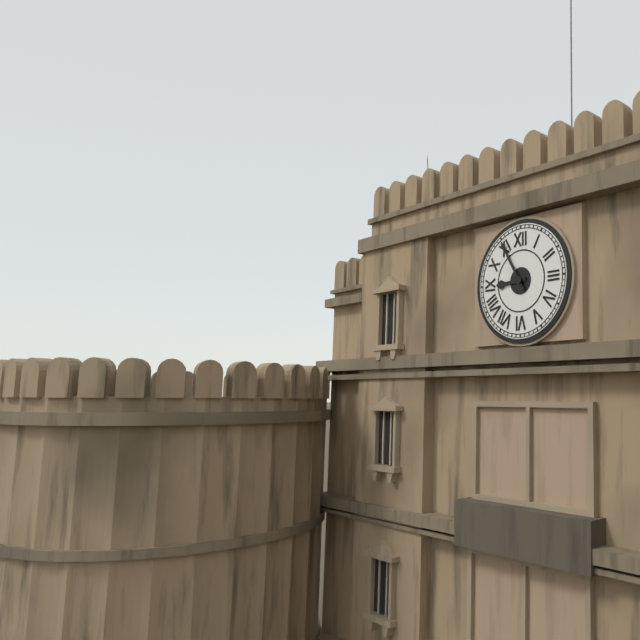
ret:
8,55
